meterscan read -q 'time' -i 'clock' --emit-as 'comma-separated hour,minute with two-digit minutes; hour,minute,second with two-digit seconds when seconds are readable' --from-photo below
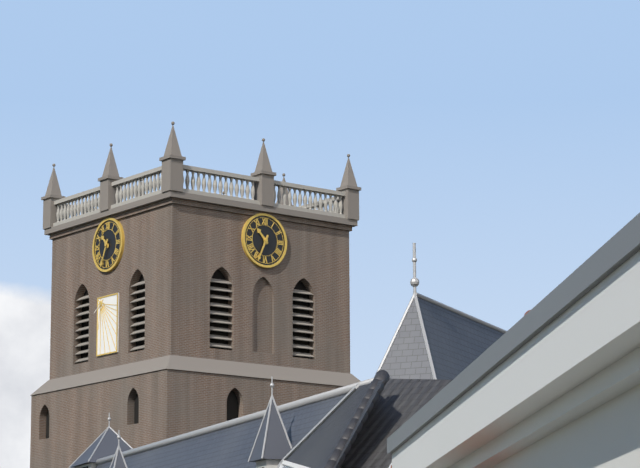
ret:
10,34
